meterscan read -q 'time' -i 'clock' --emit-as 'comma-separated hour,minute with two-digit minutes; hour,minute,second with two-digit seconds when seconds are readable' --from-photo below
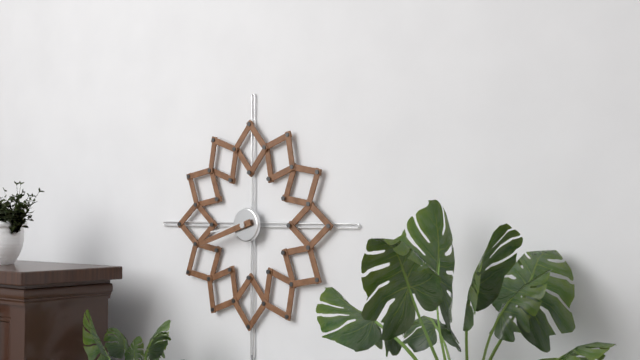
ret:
8,42
